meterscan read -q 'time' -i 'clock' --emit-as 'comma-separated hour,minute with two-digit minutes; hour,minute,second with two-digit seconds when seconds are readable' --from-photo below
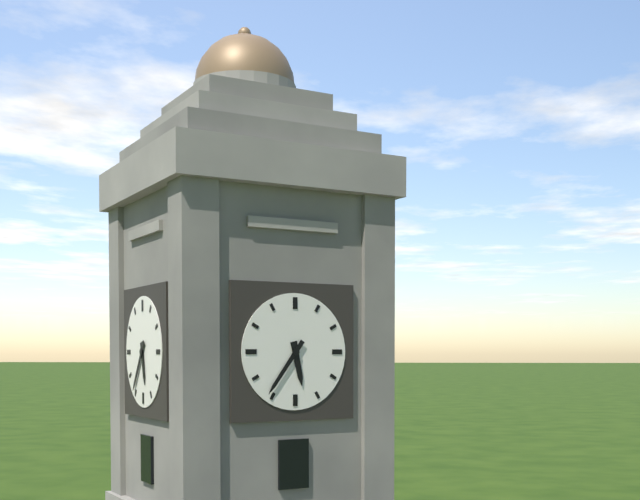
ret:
5,36
